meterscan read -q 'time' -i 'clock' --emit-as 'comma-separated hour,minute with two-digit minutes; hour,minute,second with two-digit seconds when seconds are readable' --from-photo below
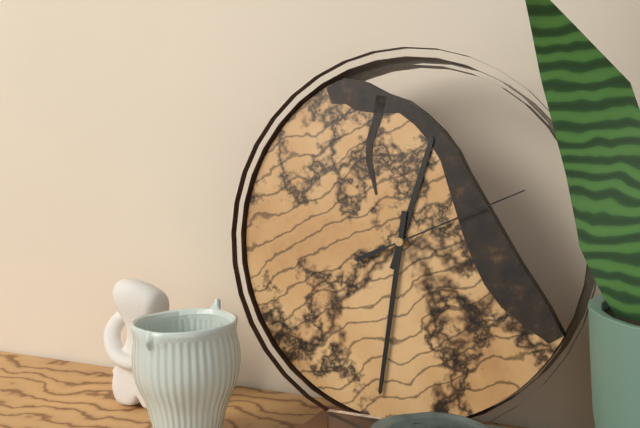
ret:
12,31,11
